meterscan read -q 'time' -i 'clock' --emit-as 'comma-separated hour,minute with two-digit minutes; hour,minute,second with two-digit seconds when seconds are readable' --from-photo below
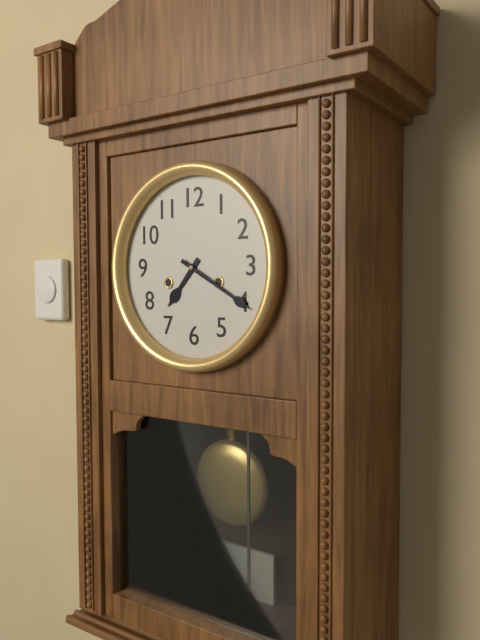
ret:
7,20
